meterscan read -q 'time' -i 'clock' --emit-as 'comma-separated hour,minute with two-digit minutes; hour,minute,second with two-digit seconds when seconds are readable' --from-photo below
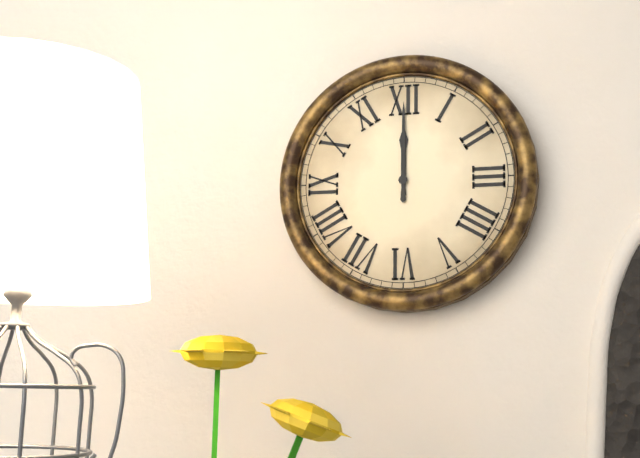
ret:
12,00
